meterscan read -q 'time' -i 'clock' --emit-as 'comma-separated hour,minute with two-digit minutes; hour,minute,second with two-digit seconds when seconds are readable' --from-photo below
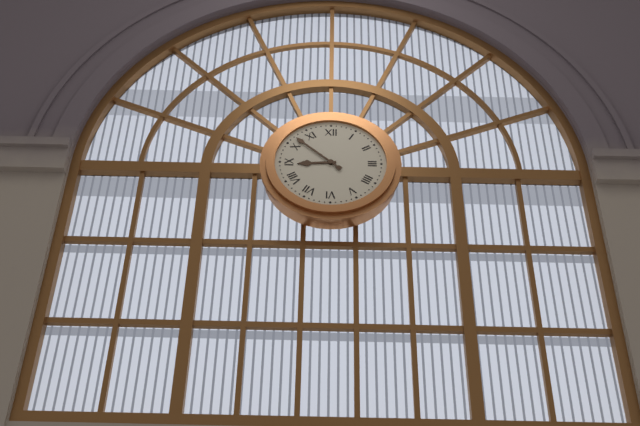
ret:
8,52
